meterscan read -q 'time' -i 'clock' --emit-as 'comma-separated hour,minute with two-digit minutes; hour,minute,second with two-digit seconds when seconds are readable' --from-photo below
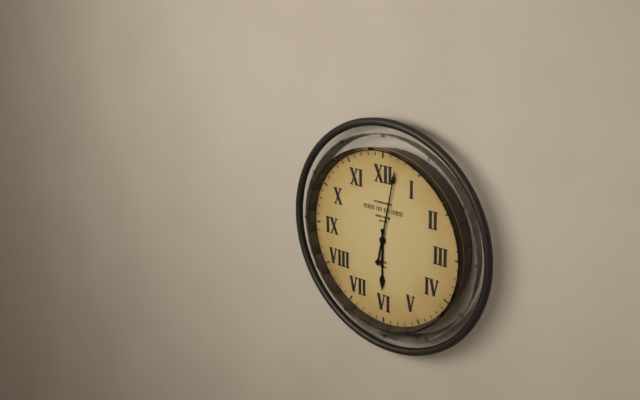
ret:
6,02
